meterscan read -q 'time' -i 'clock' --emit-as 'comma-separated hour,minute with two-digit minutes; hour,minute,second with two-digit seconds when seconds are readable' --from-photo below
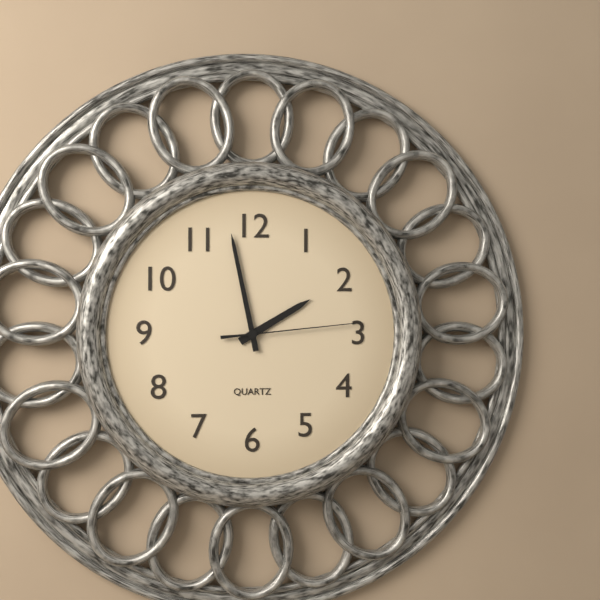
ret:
1,58,14
